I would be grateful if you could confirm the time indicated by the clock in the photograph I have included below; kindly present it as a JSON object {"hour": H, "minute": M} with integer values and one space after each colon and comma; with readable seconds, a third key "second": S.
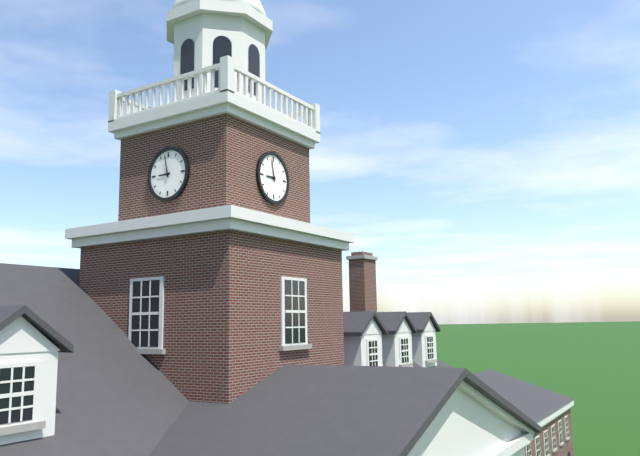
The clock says {"hour": 8, "minute": 58}
